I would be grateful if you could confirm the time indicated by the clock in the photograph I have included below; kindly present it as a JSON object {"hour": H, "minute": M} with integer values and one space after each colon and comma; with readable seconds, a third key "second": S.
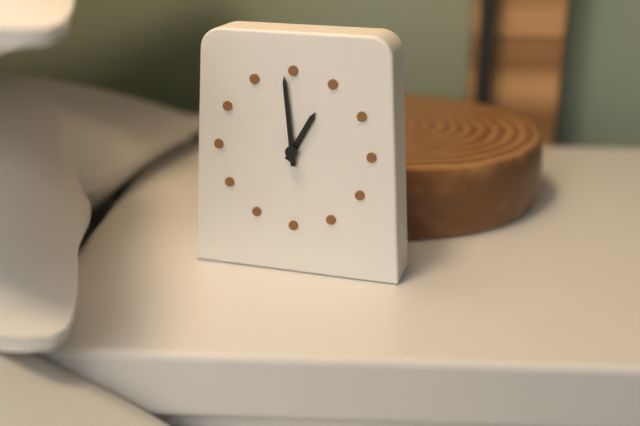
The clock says {"hour": 12, "minute": 59}
